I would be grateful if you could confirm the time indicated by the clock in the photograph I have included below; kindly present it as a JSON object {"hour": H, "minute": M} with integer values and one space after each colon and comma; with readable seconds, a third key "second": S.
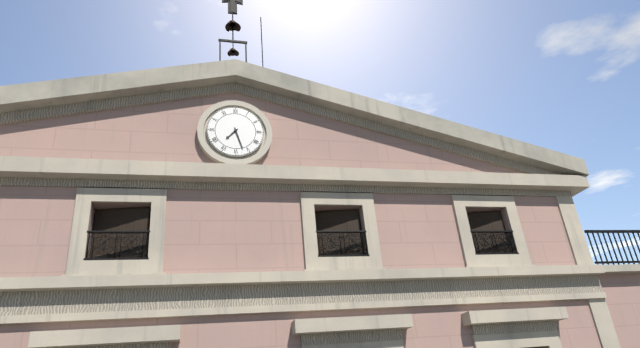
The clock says {"hour": 7, "minute": 27}
